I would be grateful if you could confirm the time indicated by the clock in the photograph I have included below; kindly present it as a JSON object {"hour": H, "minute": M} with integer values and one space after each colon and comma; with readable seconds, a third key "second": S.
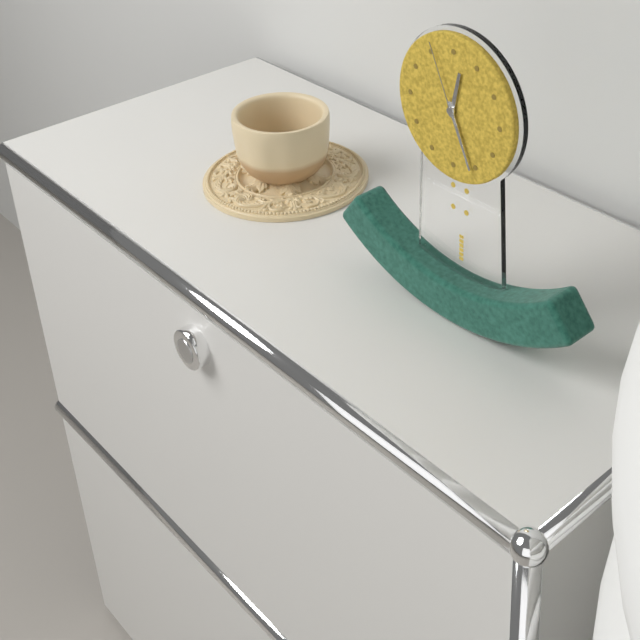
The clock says {"hour": 12, "minute": 26, "second": 56}
